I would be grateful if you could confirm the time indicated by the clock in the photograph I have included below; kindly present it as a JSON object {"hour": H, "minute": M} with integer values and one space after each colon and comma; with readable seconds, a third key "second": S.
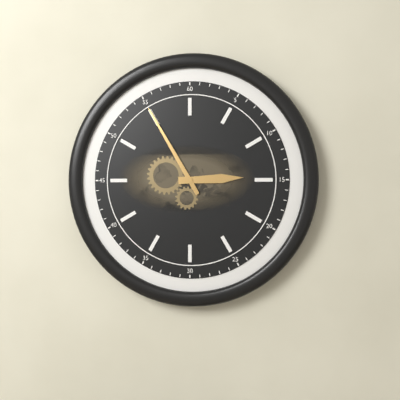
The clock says {"hour": 2, "minute": 55}
